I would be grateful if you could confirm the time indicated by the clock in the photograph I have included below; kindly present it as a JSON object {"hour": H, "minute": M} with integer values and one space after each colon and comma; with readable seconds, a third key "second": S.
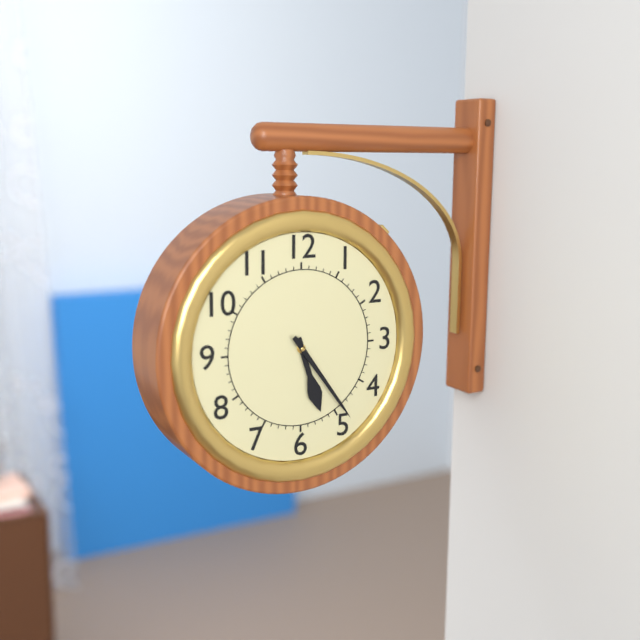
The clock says {"hour": 5, "minute": 24}
